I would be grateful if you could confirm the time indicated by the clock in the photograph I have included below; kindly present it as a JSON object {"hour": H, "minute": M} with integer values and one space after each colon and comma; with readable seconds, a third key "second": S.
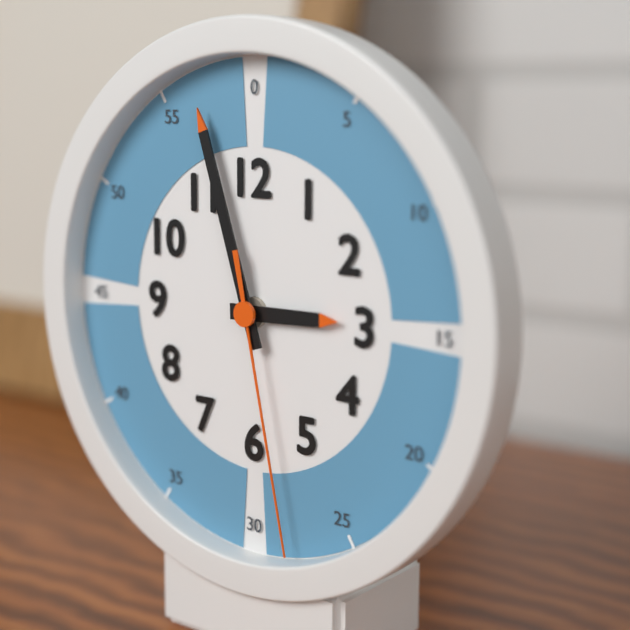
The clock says {"hour": 2, "minute": 57, "second": 28}
